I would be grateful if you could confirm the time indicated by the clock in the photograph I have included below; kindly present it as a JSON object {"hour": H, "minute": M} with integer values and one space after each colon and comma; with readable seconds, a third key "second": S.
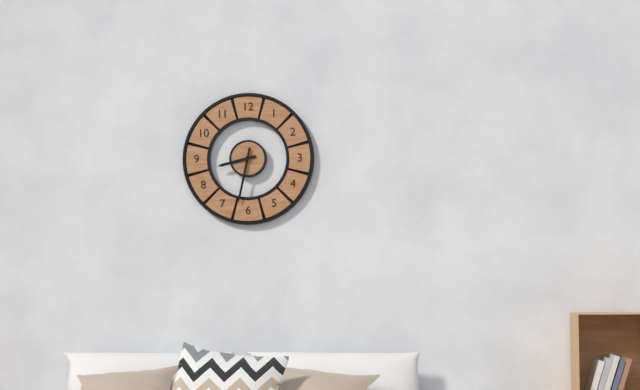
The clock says {"hour": 8, "minute": 32}
